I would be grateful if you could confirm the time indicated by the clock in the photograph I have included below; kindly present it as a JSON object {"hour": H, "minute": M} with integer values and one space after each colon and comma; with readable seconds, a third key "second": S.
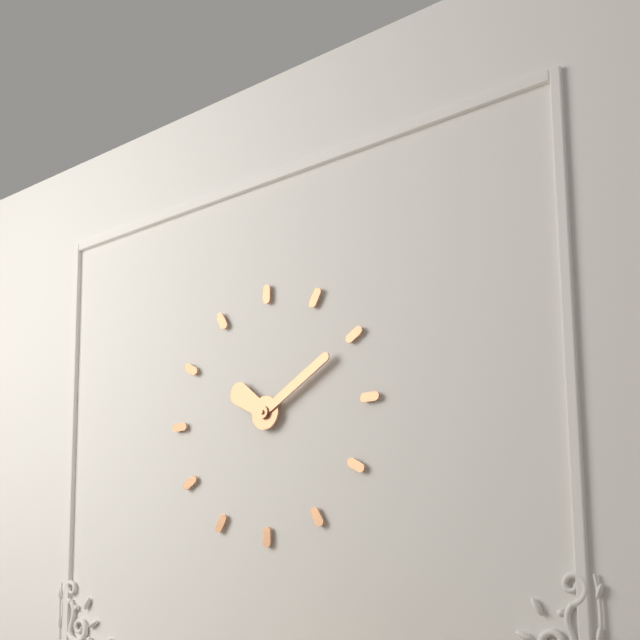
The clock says {"hour": 10, "minute": 10}
